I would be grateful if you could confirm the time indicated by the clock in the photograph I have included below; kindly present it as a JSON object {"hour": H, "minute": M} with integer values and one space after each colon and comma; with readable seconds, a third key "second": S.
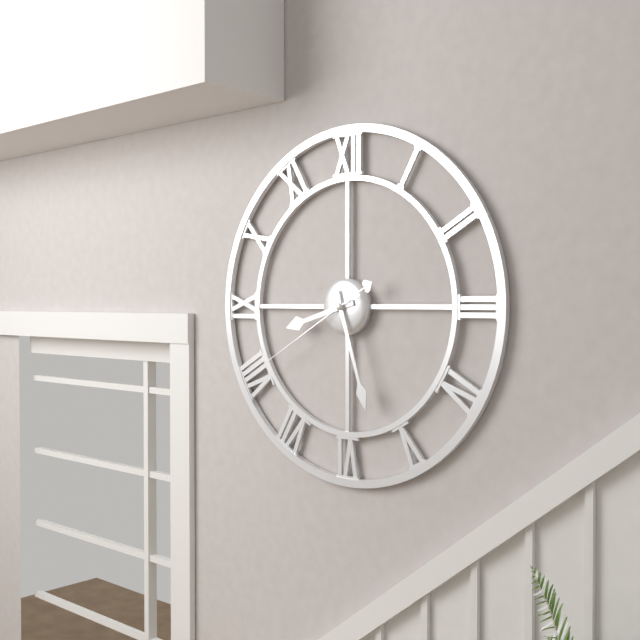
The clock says {"hour": 8, "minute": 27, "second": 40}
